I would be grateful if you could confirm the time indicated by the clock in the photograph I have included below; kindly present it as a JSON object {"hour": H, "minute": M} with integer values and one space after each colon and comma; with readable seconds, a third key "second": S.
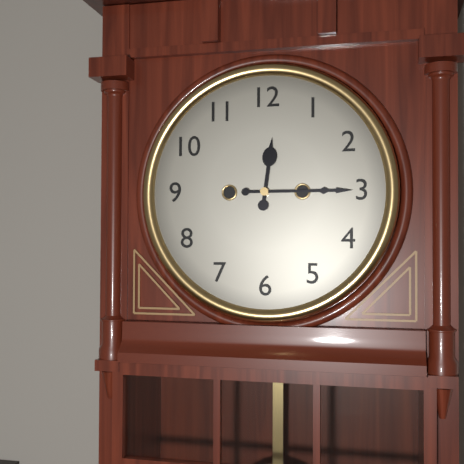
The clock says {"hour": 12, "minute": 15}
